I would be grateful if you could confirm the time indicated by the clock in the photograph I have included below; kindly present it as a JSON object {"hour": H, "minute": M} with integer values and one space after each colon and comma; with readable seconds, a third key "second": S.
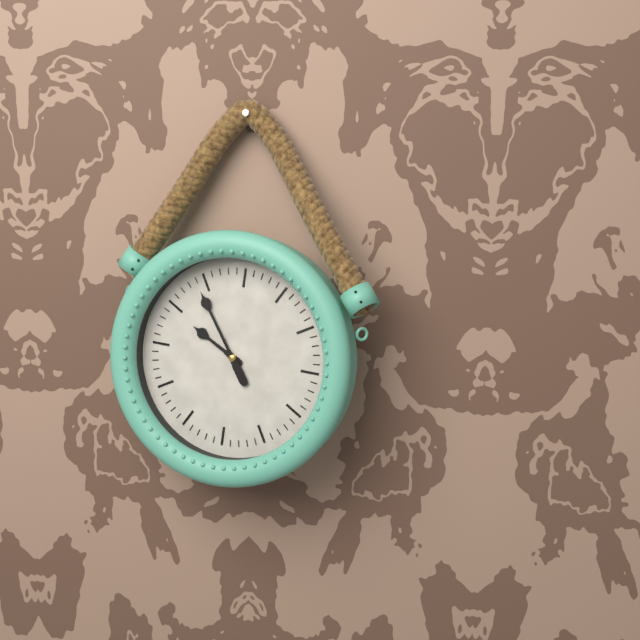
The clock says {"hour": 9, "minute": 54}
